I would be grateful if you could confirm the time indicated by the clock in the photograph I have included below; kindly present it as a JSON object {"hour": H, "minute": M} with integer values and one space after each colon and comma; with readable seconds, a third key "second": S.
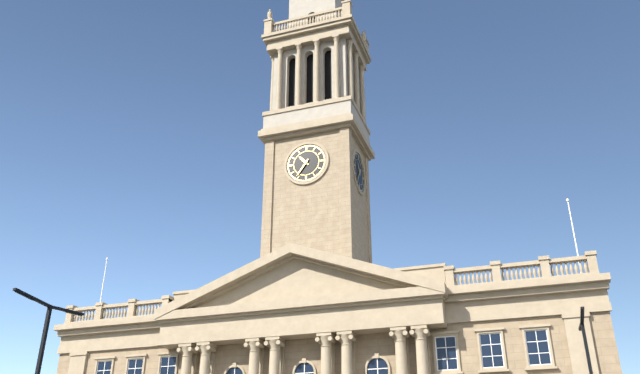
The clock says {"hour": 10, "minute": 36}
